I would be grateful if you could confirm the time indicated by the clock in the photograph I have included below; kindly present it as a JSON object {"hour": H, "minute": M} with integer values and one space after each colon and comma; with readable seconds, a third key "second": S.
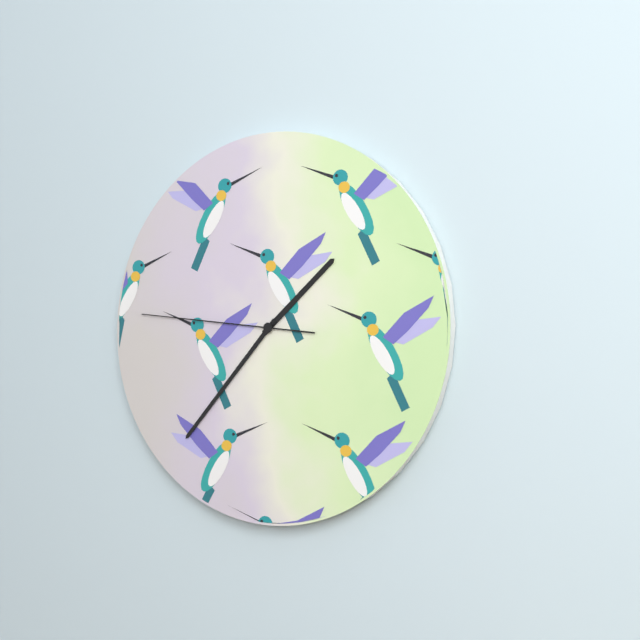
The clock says {"hour": 1, "minute": 37, "second": 46}
